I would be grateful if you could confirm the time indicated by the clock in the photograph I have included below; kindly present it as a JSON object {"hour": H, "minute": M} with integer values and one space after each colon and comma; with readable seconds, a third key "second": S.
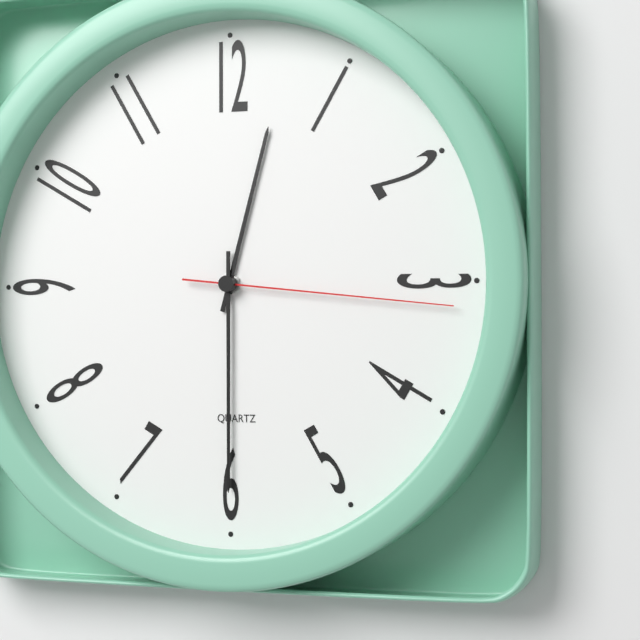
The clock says {"hour": 12, "minute": 30, "second": 16}
